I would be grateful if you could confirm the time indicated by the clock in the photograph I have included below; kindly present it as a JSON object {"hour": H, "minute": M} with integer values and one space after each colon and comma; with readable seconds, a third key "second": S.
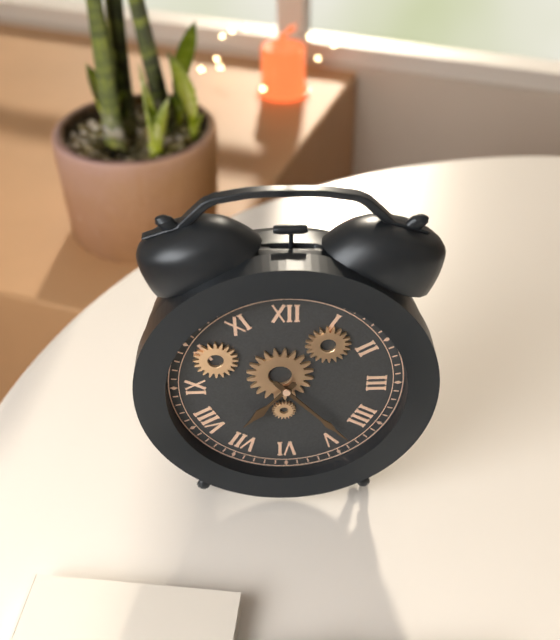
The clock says {"hour": 7, "minute": 23}
